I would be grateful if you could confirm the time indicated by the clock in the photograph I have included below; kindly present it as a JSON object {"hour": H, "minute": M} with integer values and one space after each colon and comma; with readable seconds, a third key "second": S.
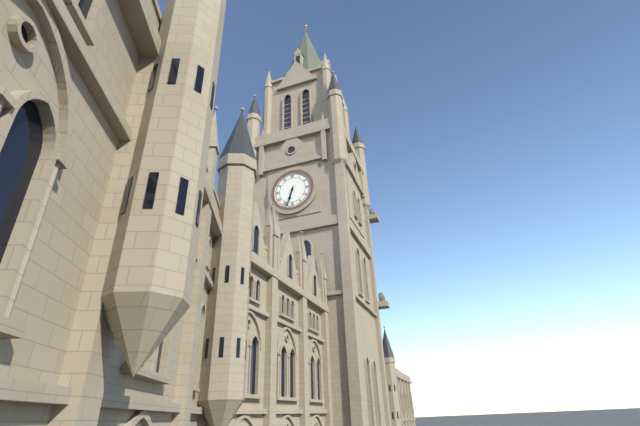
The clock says {"hour": 6, "minute": 33}
